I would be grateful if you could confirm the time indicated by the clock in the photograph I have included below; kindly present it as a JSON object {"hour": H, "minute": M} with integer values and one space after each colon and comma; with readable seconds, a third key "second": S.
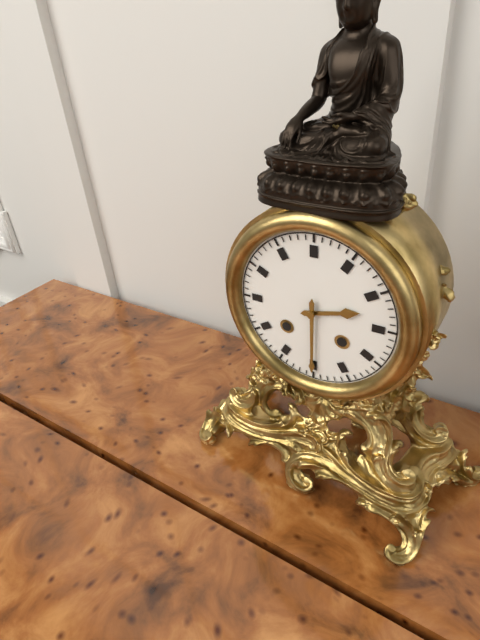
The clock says {"hour": 2, "minute": 30}
